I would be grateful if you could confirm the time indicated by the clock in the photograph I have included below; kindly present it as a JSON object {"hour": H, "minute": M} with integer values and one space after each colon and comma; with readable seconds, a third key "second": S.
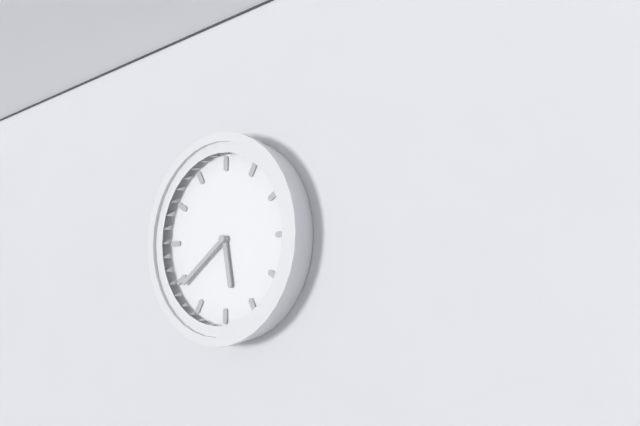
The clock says {"hour": 5, "minute": 39}
